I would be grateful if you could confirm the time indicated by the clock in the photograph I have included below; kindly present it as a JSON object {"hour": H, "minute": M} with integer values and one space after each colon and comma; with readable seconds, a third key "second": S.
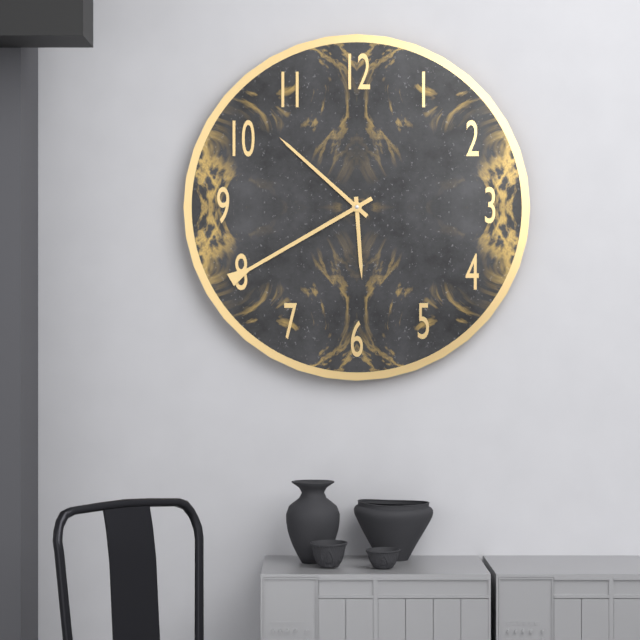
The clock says {"hour": 5, "minute": 52, "second": 40}
